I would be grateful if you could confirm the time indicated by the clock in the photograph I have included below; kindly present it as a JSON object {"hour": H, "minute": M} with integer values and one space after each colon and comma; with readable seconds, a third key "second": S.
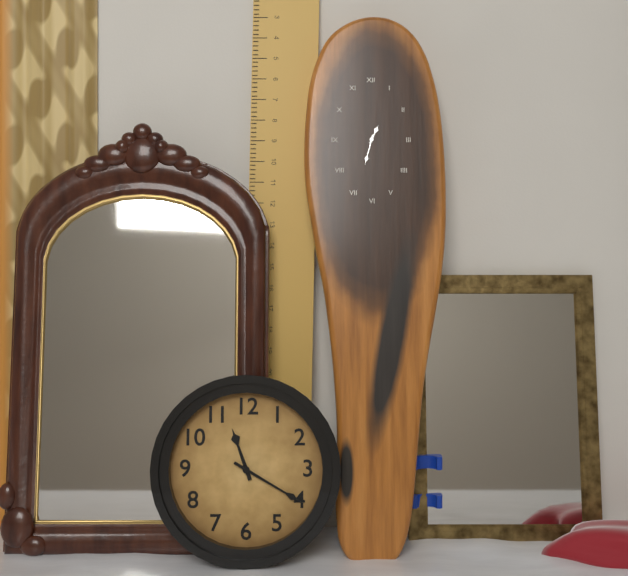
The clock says {"hour": 11, "minute": 20}
